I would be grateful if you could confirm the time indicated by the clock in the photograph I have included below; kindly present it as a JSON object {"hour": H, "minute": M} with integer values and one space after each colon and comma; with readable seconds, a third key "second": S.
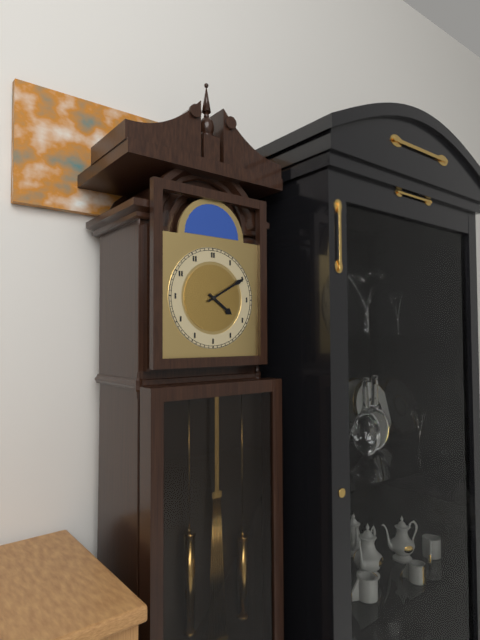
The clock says {"hour": 4, "minute": 10}
